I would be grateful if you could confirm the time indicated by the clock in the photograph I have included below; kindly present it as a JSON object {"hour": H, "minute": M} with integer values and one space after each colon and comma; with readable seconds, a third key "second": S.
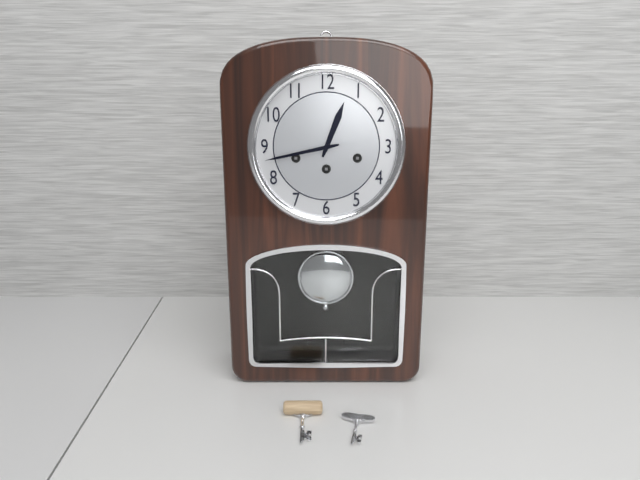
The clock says {"hour": 12, "minute": 43}
